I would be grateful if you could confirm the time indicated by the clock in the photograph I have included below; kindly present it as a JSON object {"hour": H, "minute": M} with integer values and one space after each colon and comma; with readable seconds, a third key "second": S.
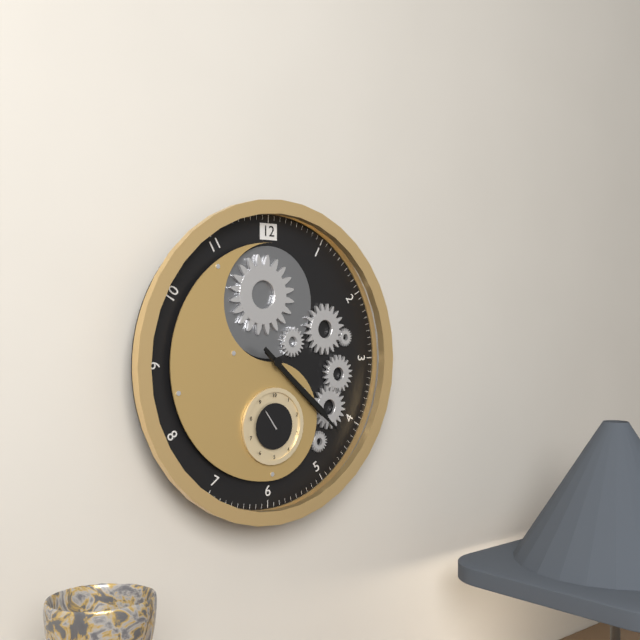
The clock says {"hour": 4, "minute": 22}
